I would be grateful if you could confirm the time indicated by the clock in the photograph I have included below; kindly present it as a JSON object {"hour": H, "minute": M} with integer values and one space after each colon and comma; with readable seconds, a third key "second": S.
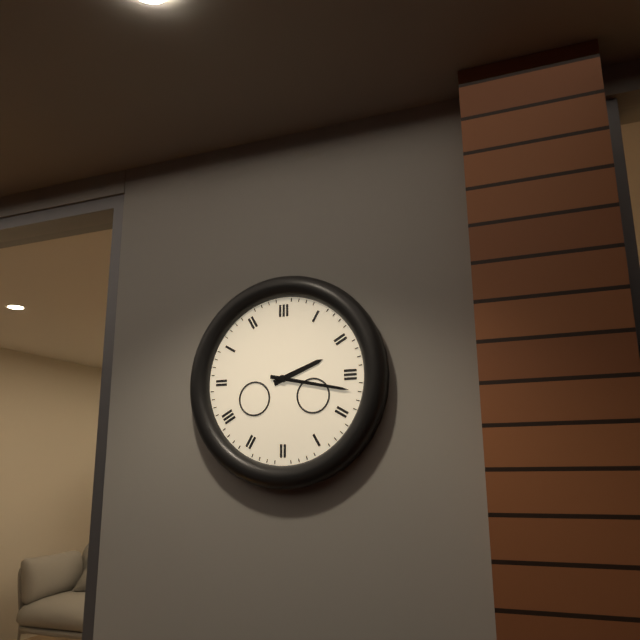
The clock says {"hour": 2, "minute": 17}
